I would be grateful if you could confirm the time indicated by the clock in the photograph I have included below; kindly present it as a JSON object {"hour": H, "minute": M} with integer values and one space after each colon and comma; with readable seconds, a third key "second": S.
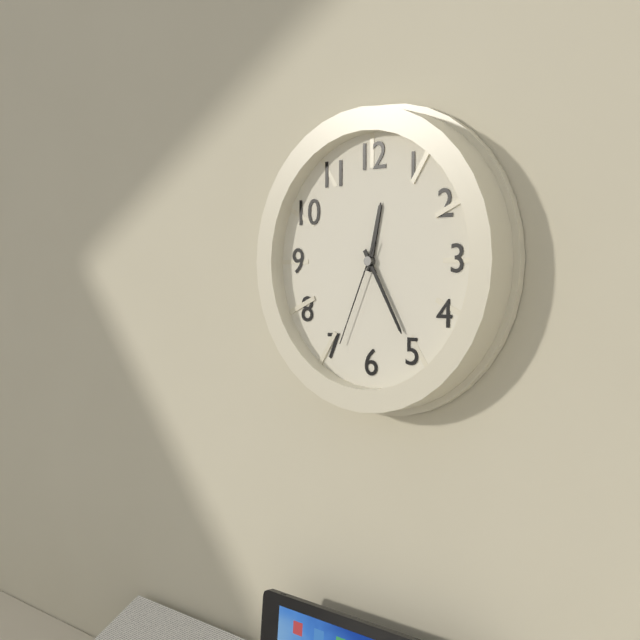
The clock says {"hour": 12, "minute": 25, "second": 34}
